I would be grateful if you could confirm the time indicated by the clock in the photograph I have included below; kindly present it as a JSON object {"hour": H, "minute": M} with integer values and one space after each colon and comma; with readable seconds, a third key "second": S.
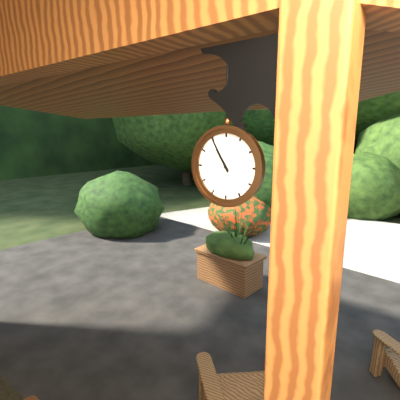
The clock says {"hour": 10, "minute": 55}
